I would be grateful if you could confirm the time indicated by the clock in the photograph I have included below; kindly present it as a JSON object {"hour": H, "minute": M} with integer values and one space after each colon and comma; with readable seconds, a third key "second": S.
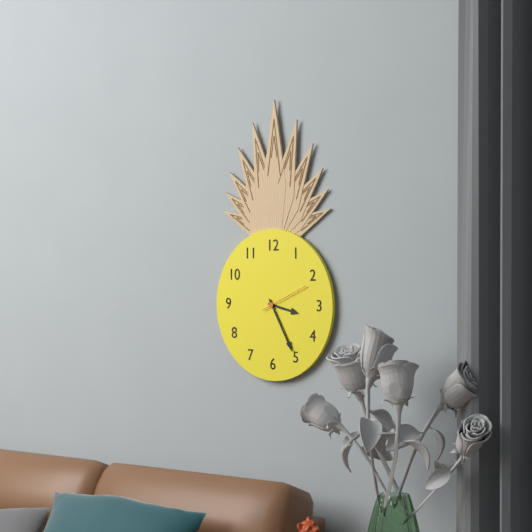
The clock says {"hour": 3, "minute": 25}
